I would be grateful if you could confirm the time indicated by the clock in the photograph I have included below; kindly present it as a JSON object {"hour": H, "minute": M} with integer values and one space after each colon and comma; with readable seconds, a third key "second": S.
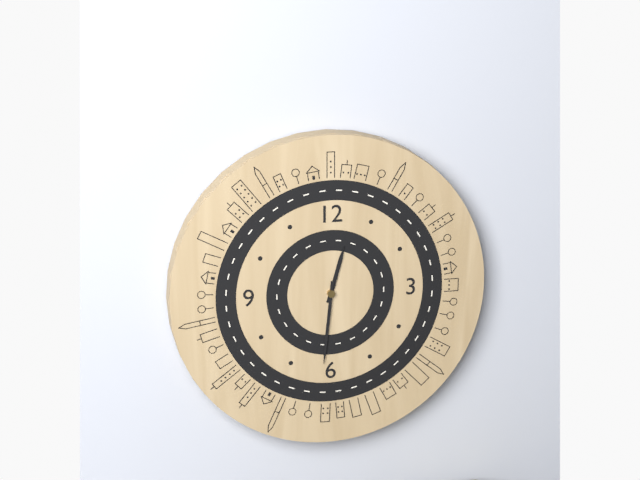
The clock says {"hour": 12, "minute": 31}
